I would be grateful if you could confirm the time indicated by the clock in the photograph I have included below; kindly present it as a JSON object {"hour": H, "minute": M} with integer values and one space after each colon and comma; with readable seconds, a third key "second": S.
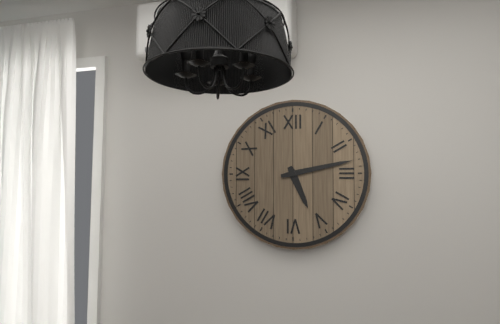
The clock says {"hour": 5, "minute": 13}
